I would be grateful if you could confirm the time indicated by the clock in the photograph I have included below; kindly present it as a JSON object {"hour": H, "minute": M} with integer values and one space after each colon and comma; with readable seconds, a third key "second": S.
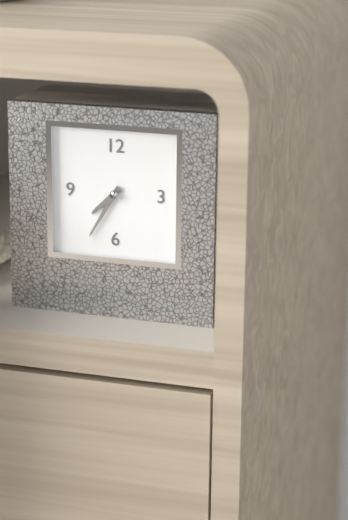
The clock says {"hour": 7, "minute": 35}
